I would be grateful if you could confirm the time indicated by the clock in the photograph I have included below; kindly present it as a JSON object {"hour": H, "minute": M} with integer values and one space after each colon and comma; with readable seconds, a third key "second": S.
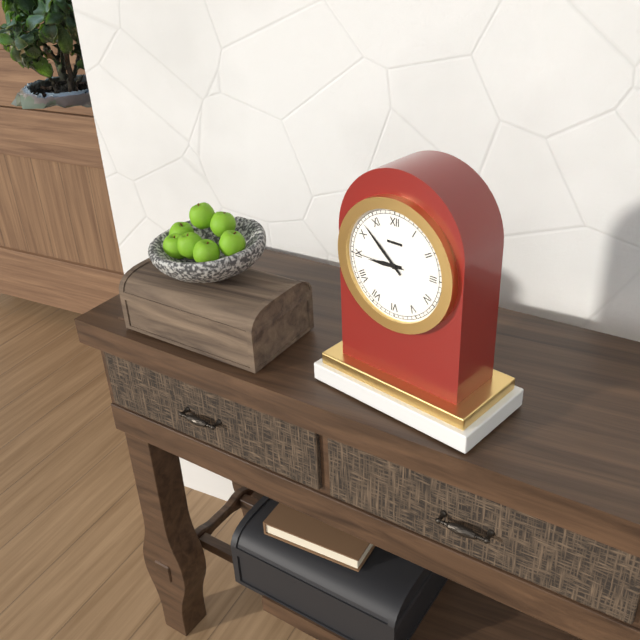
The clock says {"hour": 8, "minute": 52, "second": 45}
